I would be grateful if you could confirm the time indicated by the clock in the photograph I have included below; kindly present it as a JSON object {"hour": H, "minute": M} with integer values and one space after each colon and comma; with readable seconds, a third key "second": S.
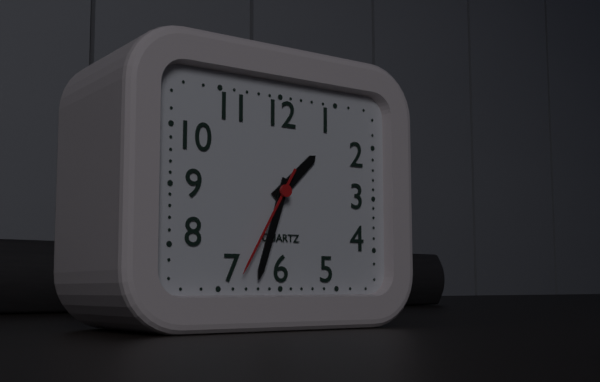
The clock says {"hour": 1, "minute": 33, "second": 35}
